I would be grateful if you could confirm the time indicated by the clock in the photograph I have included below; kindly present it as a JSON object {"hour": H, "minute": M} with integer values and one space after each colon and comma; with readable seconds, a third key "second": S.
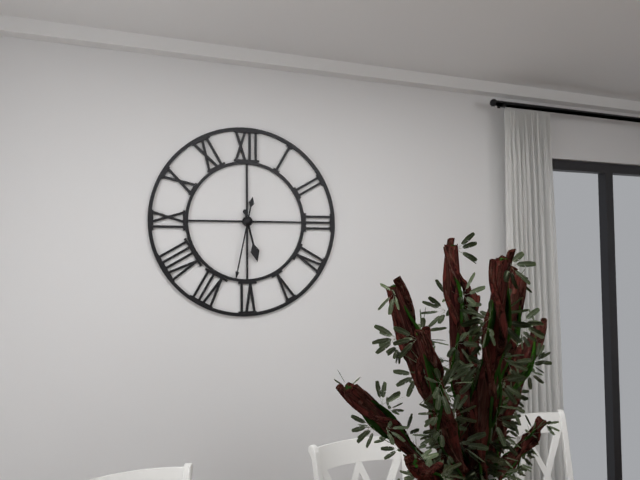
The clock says {"hour": 5, "minute": 32}
